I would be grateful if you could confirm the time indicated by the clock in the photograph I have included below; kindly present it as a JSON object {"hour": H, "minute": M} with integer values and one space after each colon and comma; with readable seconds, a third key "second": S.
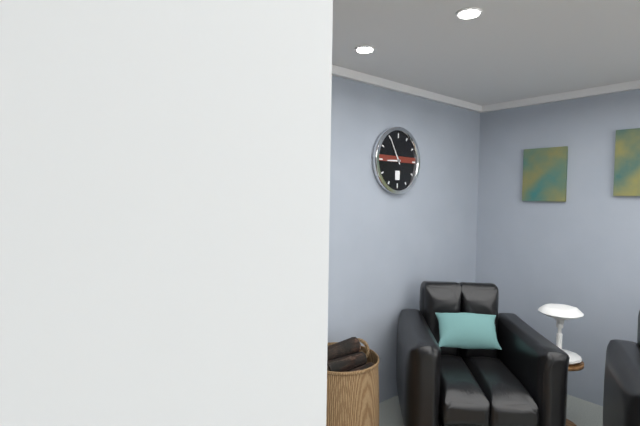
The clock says {"hour": 8, "minute": 55}
